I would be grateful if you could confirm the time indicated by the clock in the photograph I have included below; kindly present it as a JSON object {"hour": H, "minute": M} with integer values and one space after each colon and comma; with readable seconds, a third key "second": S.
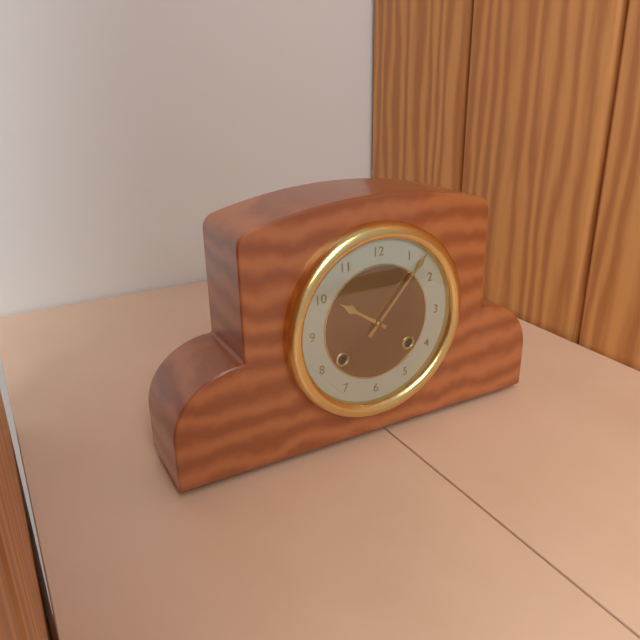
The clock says {"hour": 10, "minute": 7}
